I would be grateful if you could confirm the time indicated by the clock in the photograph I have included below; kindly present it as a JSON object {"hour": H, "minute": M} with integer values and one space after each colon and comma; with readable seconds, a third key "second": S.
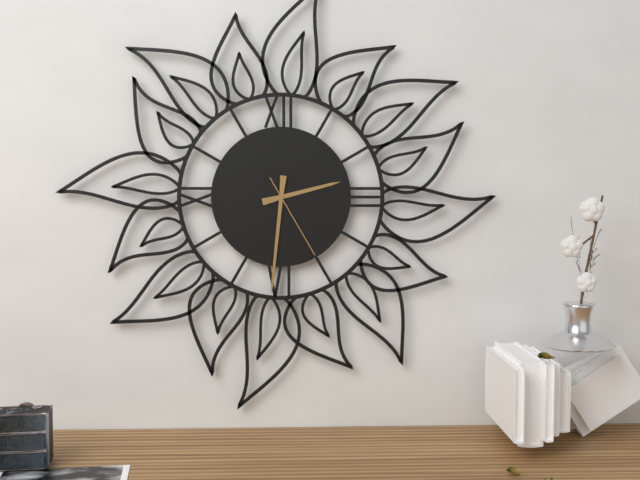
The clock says {"hour": 2, "minute": 31, "second": 25}
